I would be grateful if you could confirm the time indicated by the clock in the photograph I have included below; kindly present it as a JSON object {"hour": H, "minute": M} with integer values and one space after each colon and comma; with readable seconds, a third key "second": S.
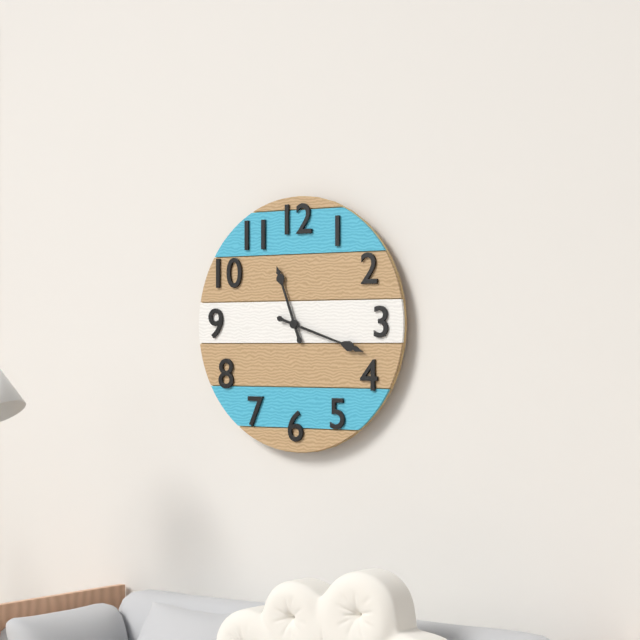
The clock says {"hour": 11, "minute": 18}
